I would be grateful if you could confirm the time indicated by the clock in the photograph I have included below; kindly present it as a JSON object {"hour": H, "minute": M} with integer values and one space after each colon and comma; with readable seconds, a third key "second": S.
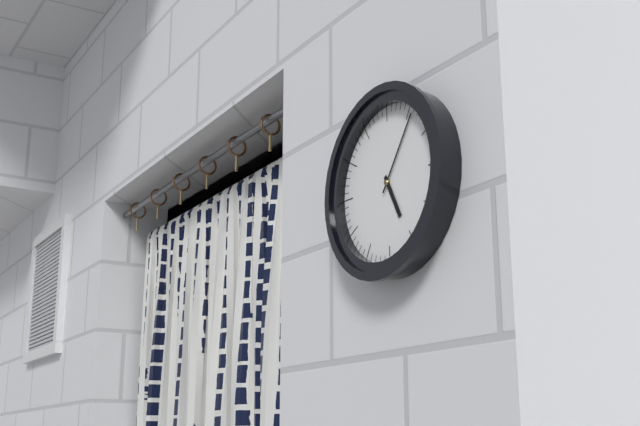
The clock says {"hour": 5, "minute": 6}
